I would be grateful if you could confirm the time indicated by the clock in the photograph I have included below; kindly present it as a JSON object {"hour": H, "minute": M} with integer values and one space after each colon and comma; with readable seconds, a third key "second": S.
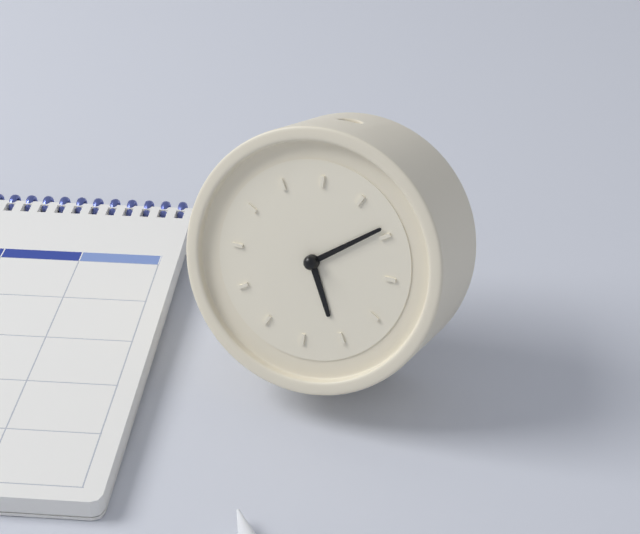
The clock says {"hour": 5, "minute": 9}
